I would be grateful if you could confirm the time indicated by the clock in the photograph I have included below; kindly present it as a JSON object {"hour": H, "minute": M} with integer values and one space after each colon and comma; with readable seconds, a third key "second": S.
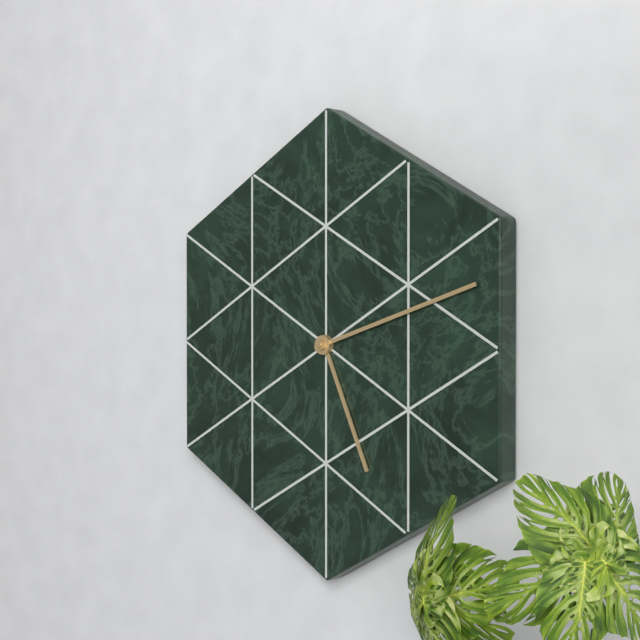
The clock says {"hour": 5, "minute": 12}
